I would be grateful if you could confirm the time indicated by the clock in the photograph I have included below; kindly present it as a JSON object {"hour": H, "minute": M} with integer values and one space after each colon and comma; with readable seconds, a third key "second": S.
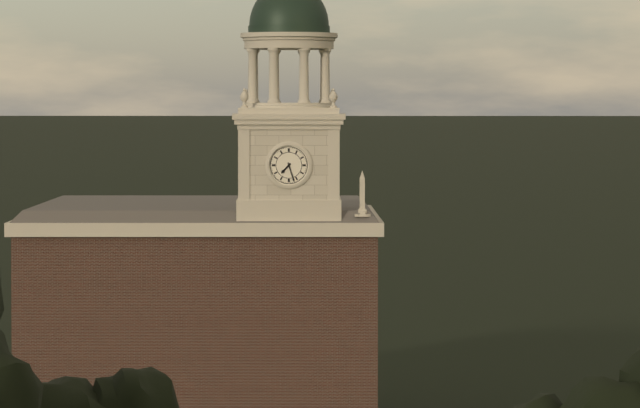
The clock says {"hour": 7, "minute": 27}
